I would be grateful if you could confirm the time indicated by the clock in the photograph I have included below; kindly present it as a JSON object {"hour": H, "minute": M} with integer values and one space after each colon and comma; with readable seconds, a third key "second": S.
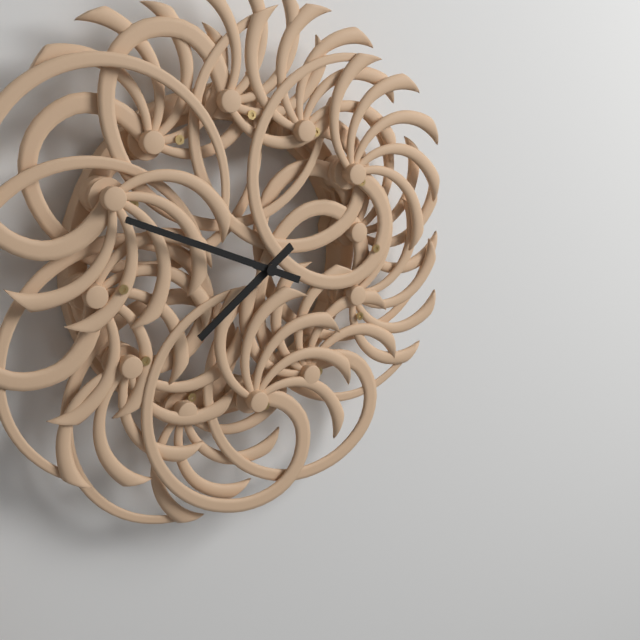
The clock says {"hour": 7, "minute": 49}
